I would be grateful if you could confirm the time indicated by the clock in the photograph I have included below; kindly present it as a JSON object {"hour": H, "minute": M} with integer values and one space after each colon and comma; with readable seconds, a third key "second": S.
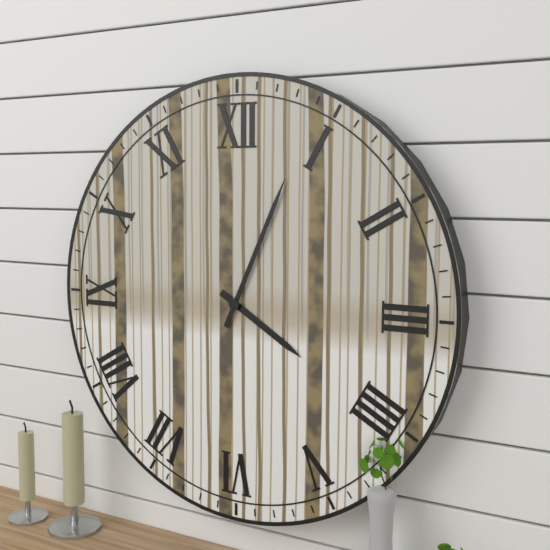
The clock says {"hour": 4, "minute": 4}
